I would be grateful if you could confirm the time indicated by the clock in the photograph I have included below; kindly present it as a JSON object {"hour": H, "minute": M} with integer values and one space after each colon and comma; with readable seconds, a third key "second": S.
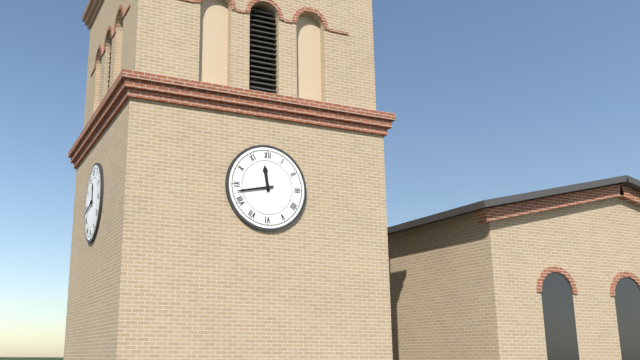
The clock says {"hour": 11, "minute": 43}
